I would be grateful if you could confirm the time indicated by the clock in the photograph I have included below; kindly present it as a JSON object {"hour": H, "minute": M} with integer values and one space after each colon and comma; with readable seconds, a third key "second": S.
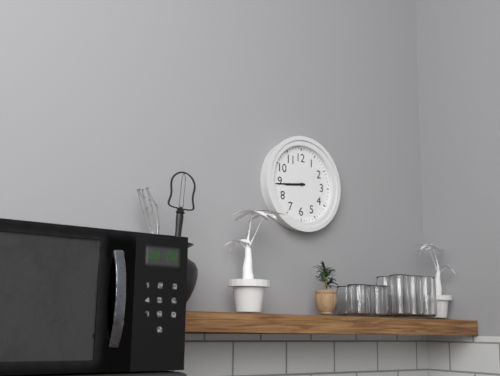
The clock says {"hour": 8, "minute": 44}
